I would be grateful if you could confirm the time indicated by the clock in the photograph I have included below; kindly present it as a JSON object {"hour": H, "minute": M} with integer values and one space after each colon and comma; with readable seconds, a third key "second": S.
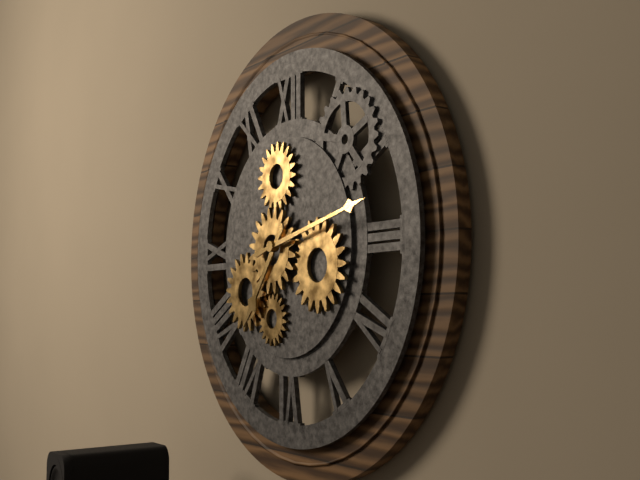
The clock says {"hour": 7, "minute": 13}
